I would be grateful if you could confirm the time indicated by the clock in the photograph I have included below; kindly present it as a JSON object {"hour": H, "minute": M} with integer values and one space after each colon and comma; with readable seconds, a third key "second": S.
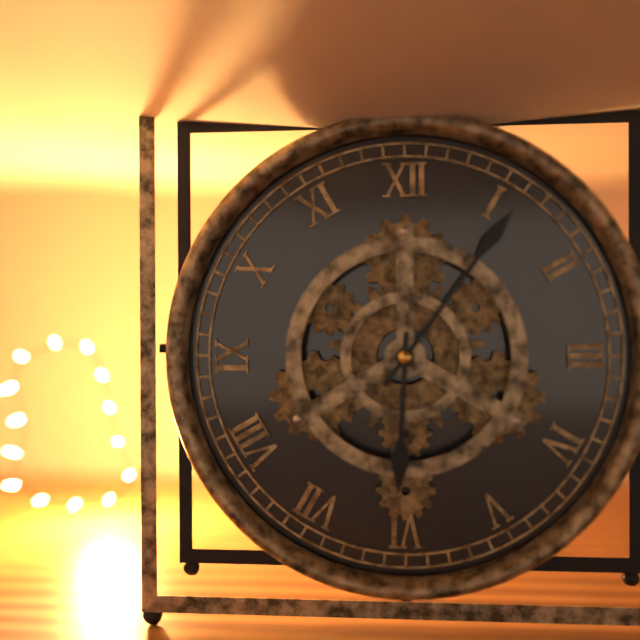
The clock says {"hour": 6, "minute": 6}
